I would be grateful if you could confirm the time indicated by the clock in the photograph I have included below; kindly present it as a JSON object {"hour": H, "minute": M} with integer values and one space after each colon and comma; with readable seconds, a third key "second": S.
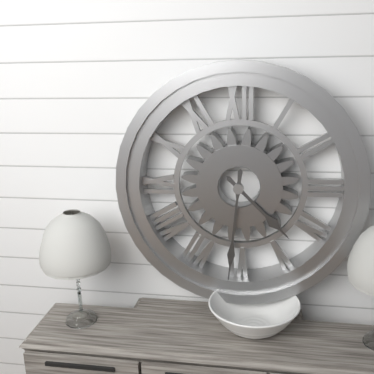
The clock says {"hour": 4, "minute": 31}
